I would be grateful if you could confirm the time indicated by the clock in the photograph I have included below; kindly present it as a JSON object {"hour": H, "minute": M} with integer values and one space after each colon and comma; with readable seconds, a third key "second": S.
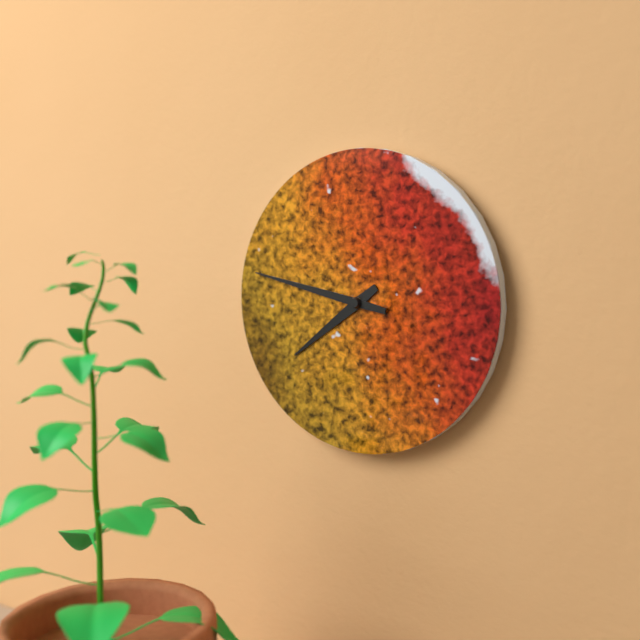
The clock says {"hour": 7, "minute": 47}
